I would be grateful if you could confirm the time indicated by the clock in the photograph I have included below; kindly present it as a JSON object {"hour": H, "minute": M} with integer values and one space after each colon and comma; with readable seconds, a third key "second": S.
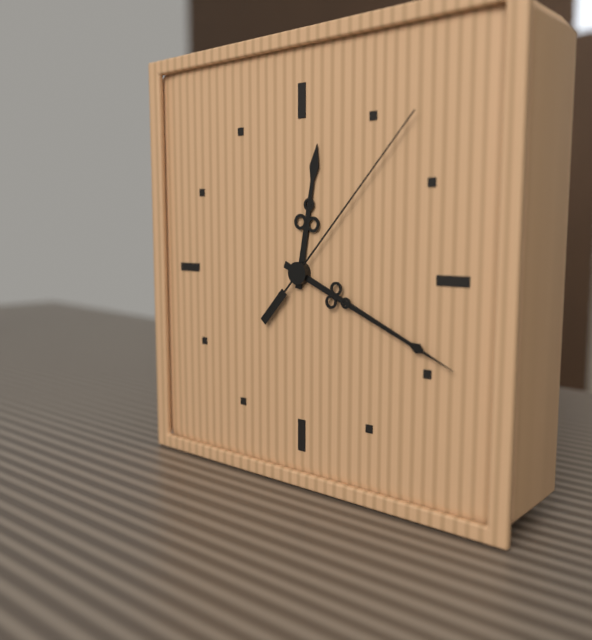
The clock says {"hour": 12, "minute": 19, "second": 7}
